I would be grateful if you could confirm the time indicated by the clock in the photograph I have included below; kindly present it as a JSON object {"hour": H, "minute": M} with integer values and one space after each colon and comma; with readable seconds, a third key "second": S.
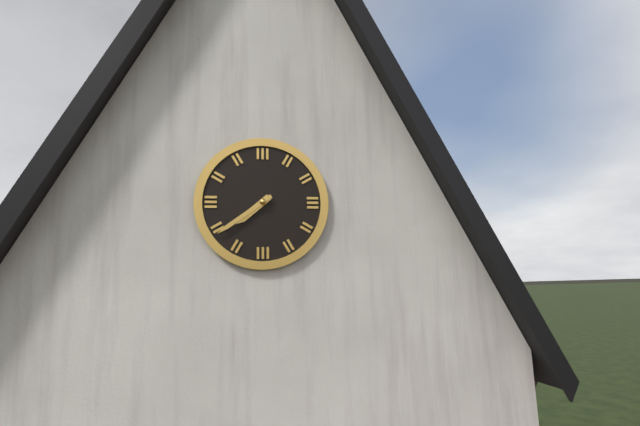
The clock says {"hour": 7, "minute": 39}
